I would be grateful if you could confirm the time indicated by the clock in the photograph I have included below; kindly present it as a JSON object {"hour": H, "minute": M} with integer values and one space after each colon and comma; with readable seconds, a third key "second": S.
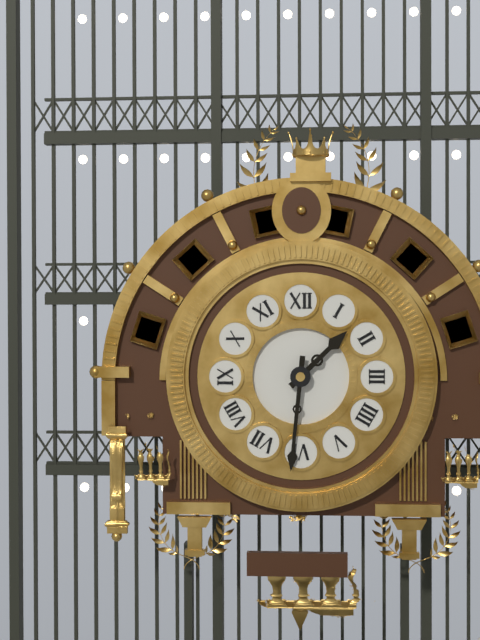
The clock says {"hour": 1, "minute": 31}
